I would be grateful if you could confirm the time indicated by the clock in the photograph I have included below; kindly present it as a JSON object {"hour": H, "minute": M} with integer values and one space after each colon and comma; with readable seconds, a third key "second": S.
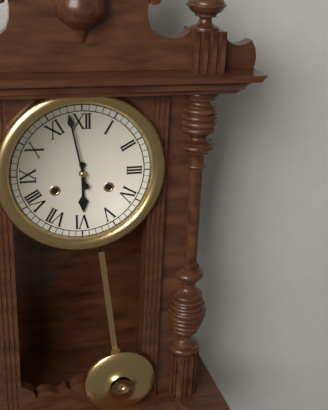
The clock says {"hour": 5, "minute": 58}
